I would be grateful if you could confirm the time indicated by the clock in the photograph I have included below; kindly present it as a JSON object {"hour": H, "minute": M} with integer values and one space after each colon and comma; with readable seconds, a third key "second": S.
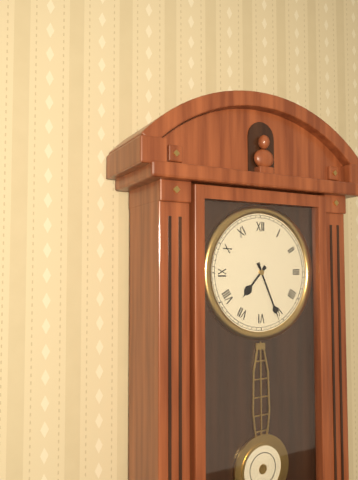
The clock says {"hour": 7, "minute": 26}
